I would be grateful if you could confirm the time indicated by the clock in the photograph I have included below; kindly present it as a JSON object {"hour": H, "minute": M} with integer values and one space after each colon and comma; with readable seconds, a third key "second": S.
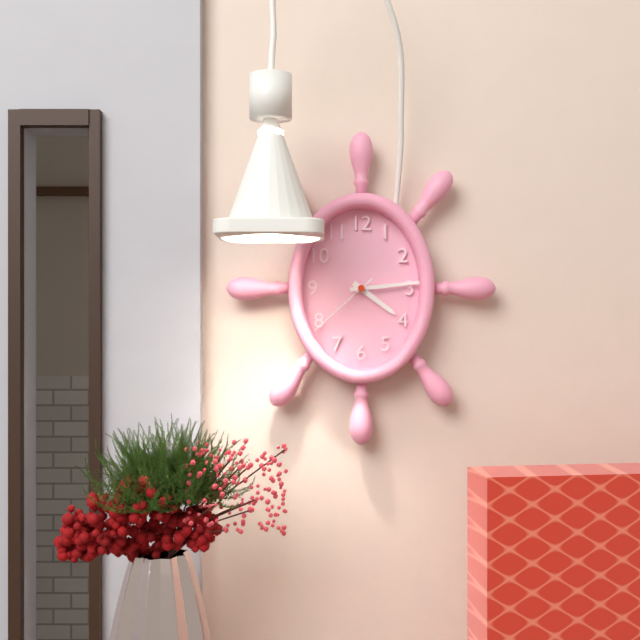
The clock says {"hour": 4, "minute": 14, "second": 38}
